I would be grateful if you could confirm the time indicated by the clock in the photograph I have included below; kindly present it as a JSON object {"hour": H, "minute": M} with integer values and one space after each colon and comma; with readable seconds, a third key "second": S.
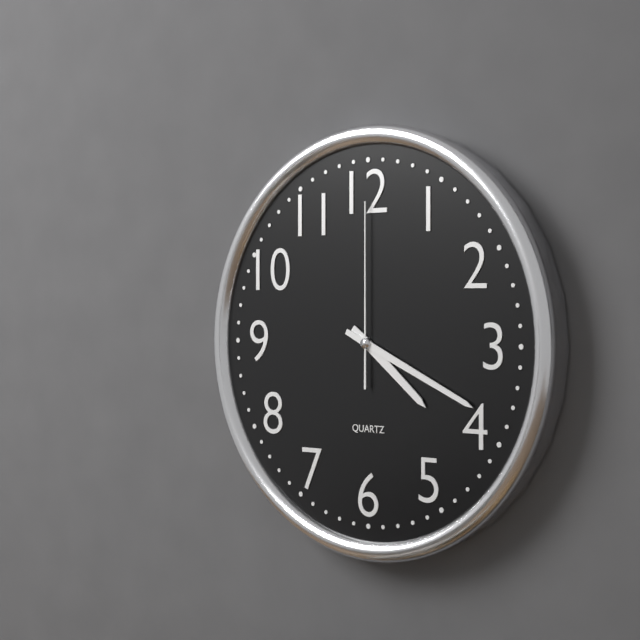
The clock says {"hour": 4, "minute": 19, "second": 0}
